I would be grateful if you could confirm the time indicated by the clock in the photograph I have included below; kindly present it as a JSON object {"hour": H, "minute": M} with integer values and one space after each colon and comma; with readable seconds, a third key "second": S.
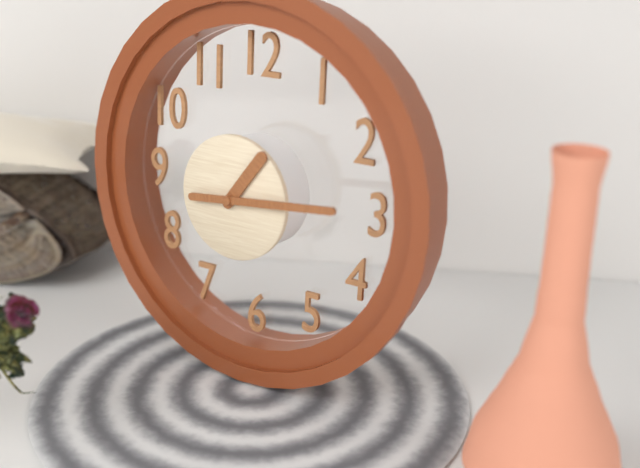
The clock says {"hour": 1, "minute": 14}
